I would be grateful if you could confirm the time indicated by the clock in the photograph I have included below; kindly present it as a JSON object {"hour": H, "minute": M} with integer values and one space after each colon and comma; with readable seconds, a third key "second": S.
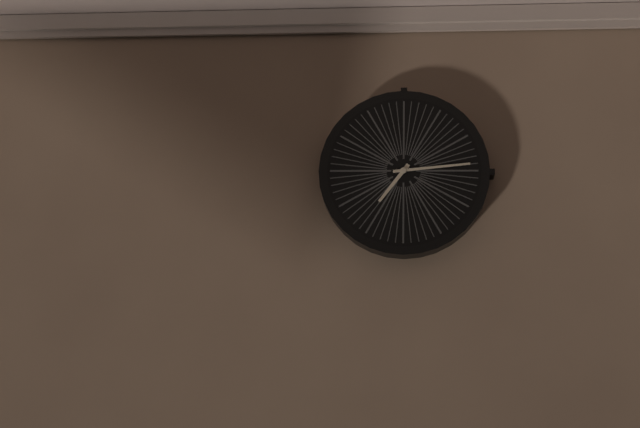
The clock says {"hour": 7, "minute": 14}
